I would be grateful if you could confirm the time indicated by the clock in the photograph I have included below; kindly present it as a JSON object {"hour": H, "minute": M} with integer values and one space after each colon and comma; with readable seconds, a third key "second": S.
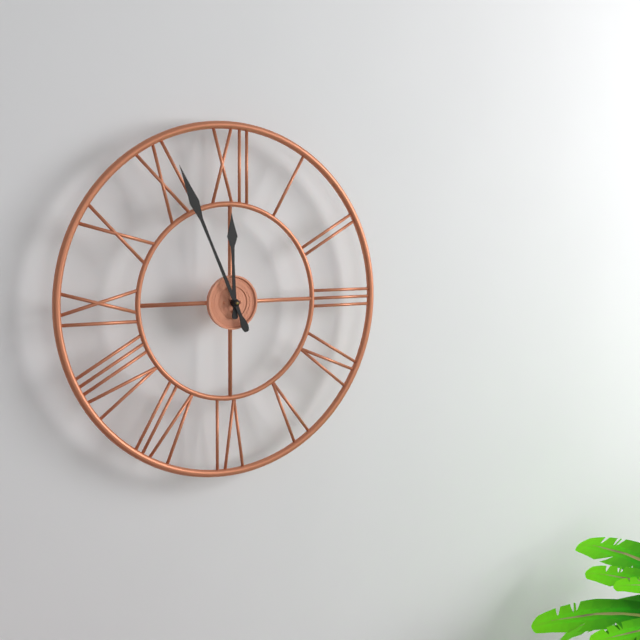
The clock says {"hour": 11, "minute": 56}
